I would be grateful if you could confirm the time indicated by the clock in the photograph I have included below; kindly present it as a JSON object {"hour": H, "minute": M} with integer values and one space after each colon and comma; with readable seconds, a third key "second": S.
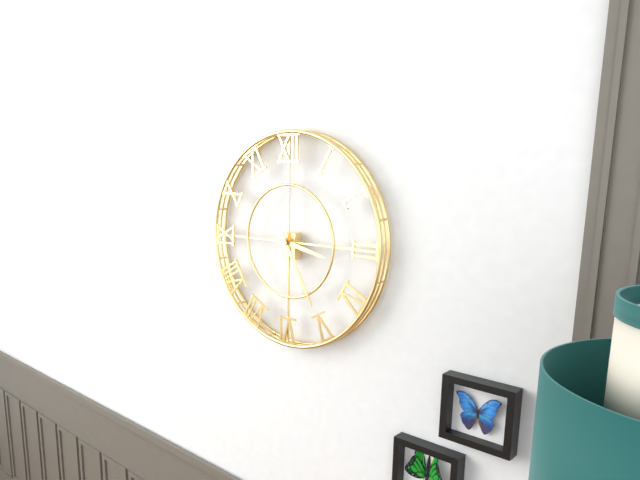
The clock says {"hour": 3, "minute": 25}
